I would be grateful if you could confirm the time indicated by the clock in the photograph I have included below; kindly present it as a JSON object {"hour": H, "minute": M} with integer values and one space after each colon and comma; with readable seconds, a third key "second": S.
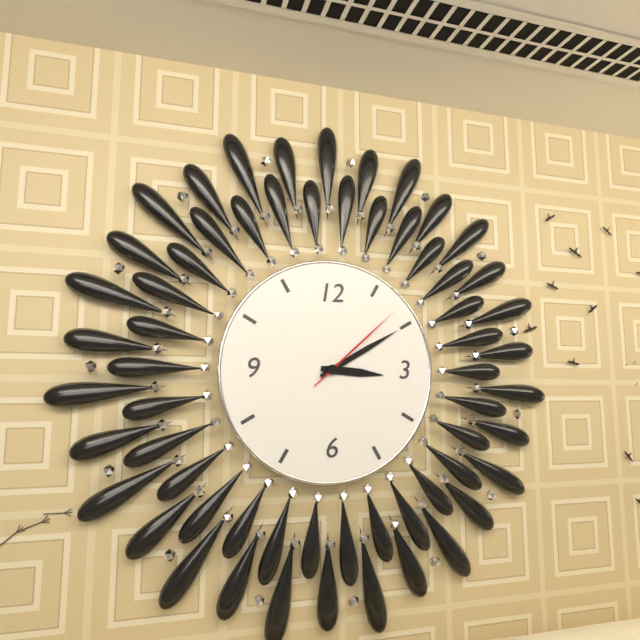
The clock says {"hour": 3, "minute": 10, "second": 8}
